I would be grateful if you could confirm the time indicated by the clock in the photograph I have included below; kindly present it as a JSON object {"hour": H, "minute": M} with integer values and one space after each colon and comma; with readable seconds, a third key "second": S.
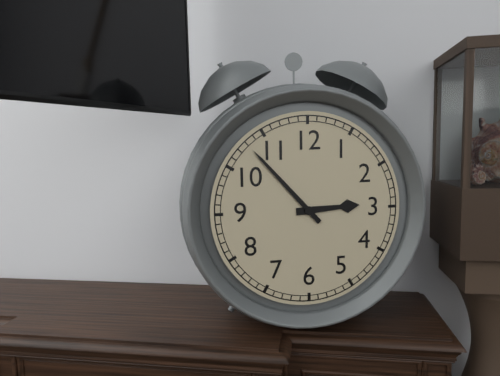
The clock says {"hour": 2, "minute": 53}
